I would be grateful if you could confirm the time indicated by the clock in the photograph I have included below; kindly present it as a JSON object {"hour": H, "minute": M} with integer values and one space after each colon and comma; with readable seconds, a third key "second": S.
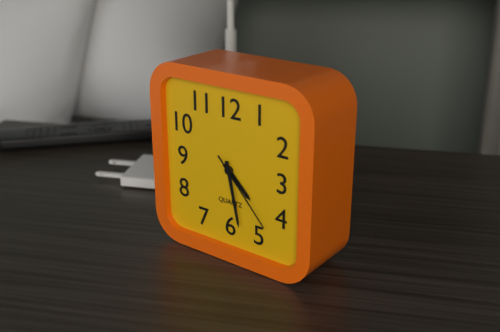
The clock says {"hour": 4, "minute": 28, "second": 23}
